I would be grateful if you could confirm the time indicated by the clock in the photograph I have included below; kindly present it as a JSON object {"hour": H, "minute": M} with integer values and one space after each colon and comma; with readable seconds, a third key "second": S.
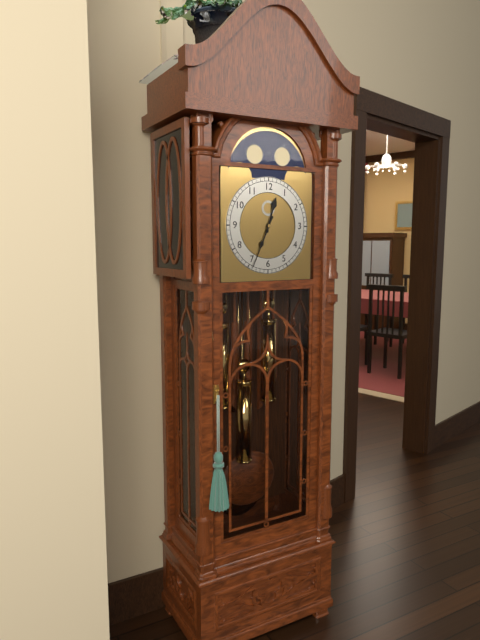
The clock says {"hour": 12, "minute": 34}
